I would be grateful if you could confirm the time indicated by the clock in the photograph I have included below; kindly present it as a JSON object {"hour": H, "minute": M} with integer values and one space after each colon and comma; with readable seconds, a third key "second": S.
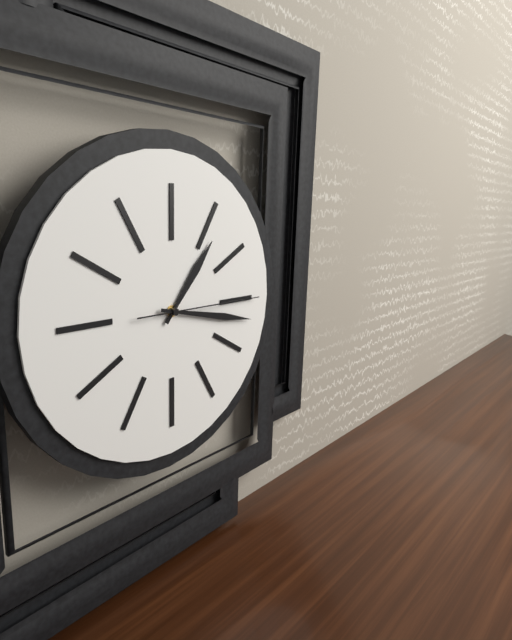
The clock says {"hour": 1, "minute": 17, "second": 15}
